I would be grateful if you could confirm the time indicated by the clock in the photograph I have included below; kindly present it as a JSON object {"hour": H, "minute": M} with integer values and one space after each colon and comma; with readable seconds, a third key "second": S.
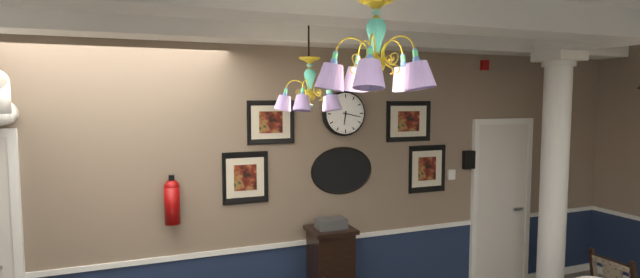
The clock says {"hour": 6, "minute": 17}
